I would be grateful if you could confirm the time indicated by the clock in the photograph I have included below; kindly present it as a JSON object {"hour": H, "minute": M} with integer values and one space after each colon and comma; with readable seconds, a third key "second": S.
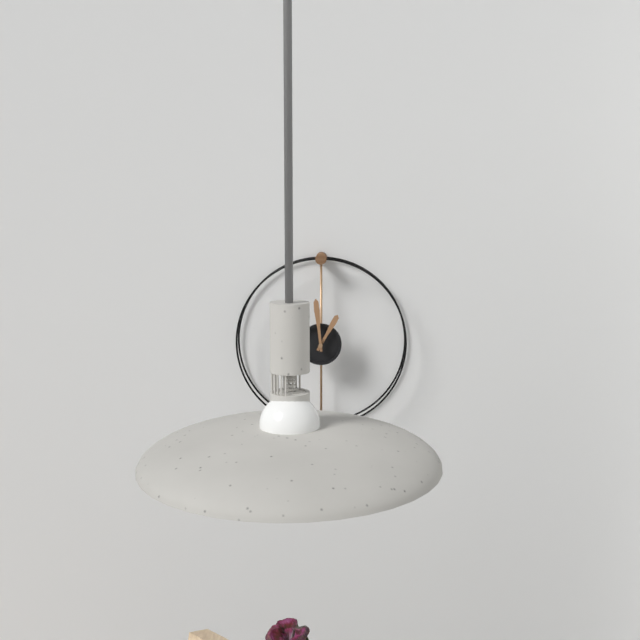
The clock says {"hour": 12, "minute": 59}
